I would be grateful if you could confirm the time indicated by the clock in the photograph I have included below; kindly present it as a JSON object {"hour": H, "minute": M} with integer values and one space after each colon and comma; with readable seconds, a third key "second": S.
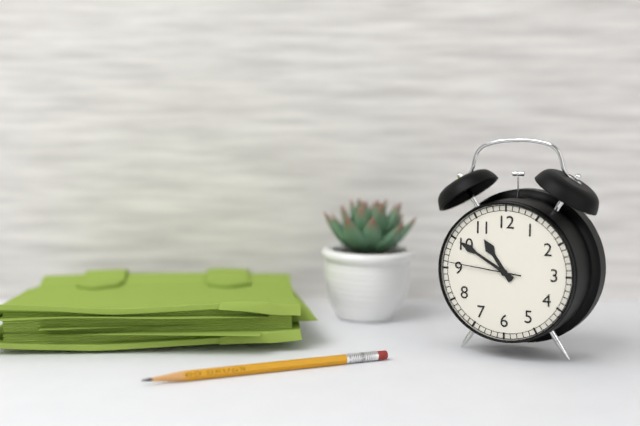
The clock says {"hour": 10, "minute": 50, "second": 46}
